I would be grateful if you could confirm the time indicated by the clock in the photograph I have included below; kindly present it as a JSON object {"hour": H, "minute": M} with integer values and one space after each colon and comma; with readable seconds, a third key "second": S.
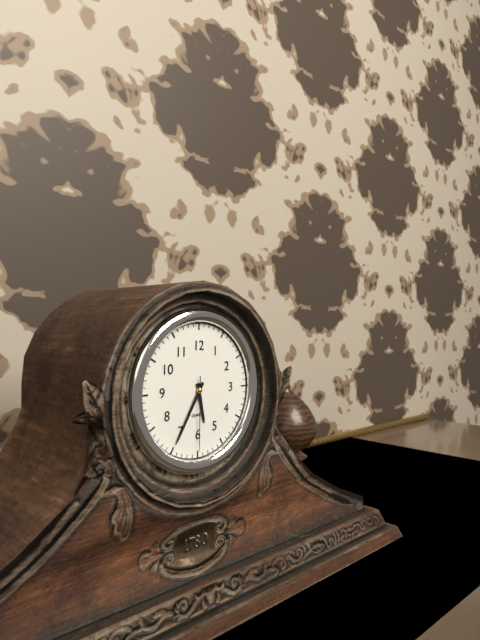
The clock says {"hour": 5, "minute": 35, "second": 30}
